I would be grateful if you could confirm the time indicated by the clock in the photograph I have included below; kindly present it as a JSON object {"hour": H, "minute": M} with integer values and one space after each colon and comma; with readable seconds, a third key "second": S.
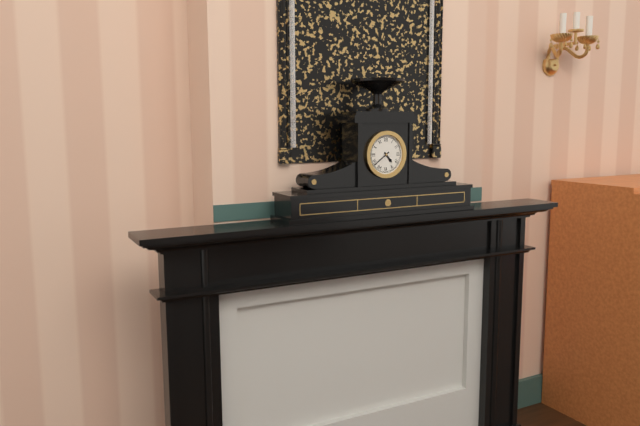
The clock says {"hour": 4, "minute": 39}
